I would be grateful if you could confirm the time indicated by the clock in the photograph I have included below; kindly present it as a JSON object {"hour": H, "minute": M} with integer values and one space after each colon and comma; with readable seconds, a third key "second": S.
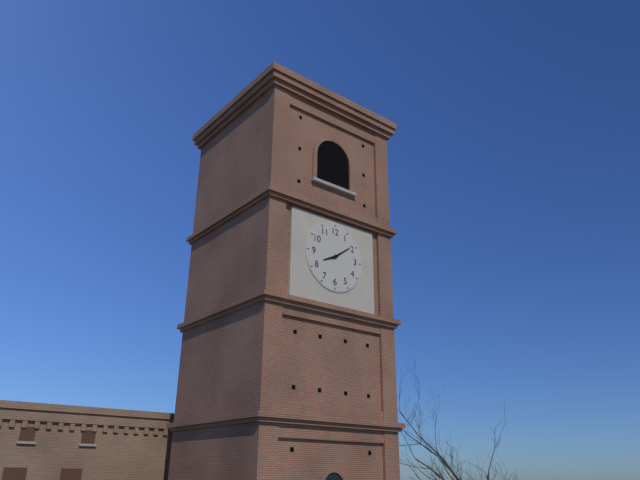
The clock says {"hour": 8, "minute": 9}
